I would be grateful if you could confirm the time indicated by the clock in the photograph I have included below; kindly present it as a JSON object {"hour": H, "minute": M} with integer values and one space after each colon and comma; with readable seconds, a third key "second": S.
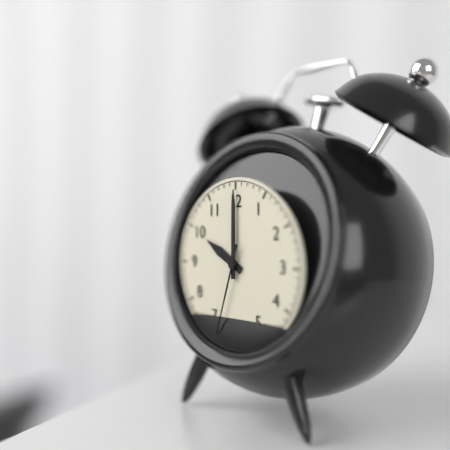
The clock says {"hour": 10, "minute": 0, "second": 33}
